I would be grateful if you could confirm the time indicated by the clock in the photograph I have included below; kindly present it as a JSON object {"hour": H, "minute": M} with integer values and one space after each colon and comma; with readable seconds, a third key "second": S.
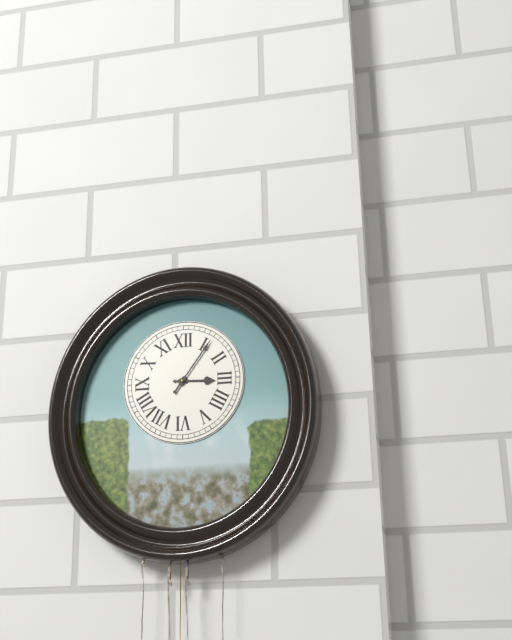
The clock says {"hour": 3, "minute": 6}
